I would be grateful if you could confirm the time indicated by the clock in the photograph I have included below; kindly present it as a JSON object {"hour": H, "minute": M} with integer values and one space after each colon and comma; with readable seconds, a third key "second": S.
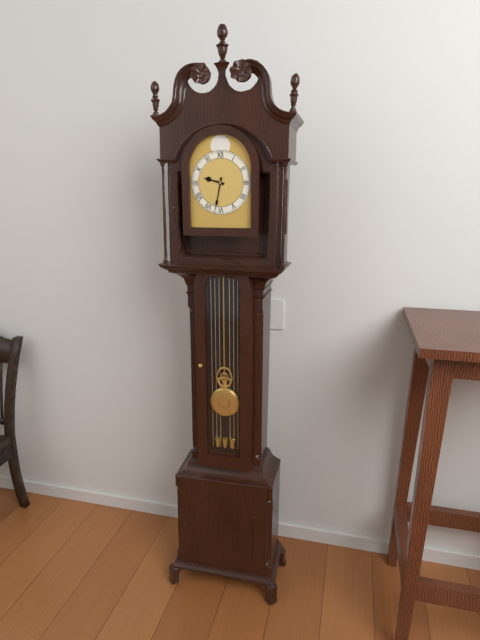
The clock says {"hour": 9, "minute": 32}
